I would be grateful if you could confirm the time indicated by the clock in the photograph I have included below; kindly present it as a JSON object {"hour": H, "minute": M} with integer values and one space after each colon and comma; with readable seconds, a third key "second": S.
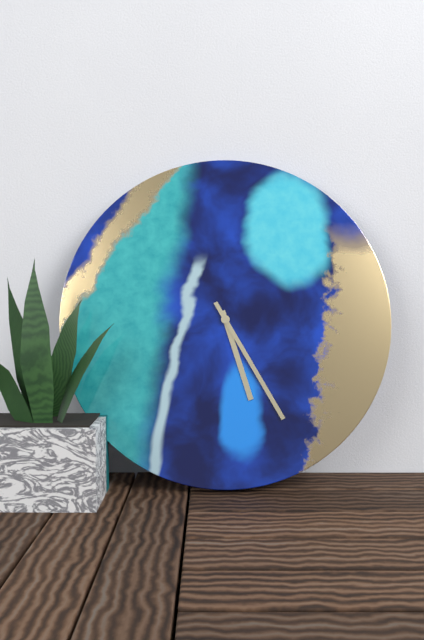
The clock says {"hour": 5, "minute": 25}
